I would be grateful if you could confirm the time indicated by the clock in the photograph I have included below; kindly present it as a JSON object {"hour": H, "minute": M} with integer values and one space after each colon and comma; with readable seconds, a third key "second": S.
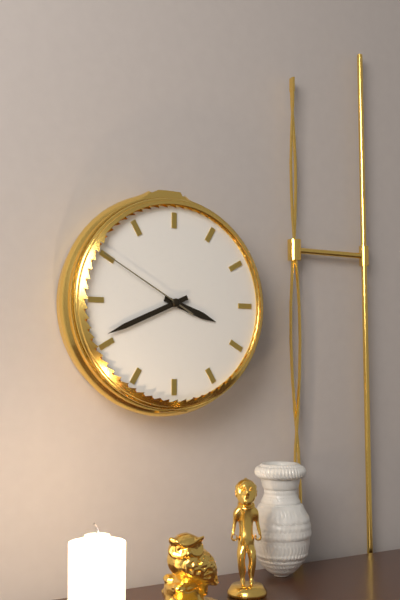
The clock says {"hour": 3, "minute": 41, "second": 50}
